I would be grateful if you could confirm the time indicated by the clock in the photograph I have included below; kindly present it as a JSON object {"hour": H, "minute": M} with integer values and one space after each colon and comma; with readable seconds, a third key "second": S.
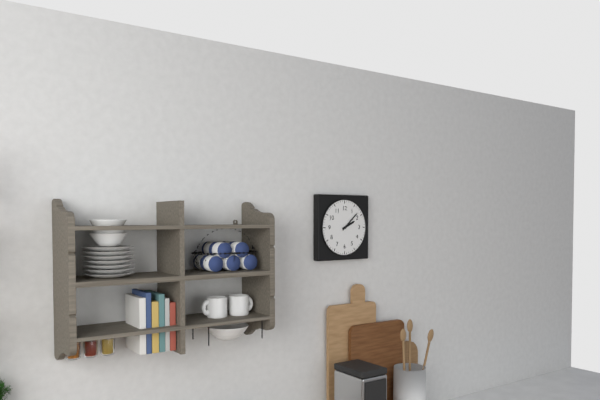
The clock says {"hour": 2, "minute": 8}
